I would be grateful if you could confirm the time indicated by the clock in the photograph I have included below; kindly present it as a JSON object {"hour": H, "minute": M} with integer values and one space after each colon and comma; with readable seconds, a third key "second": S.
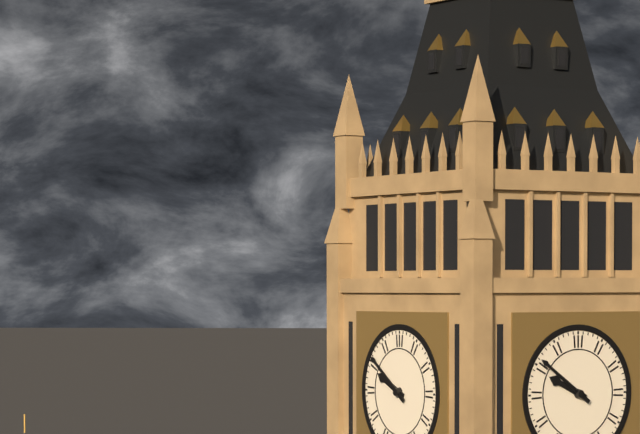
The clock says {"hour": 9, "minute": 51}
